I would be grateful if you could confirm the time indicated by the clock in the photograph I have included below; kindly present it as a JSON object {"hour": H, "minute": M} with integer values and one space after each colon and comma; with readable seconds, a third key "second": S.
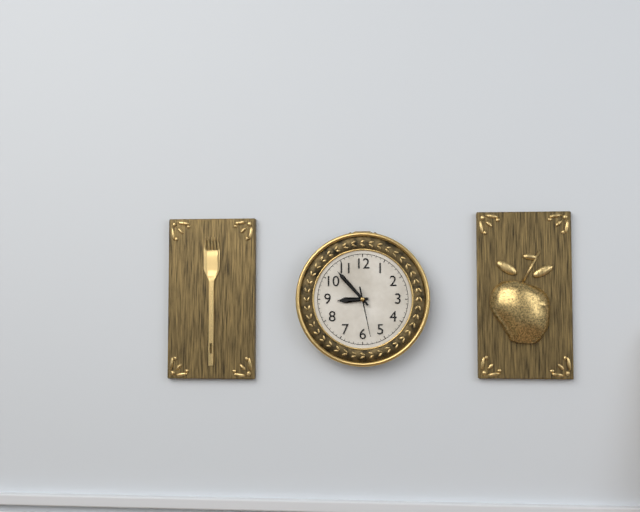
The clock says {"hour": 8, "minute": 53, "second": 28}
